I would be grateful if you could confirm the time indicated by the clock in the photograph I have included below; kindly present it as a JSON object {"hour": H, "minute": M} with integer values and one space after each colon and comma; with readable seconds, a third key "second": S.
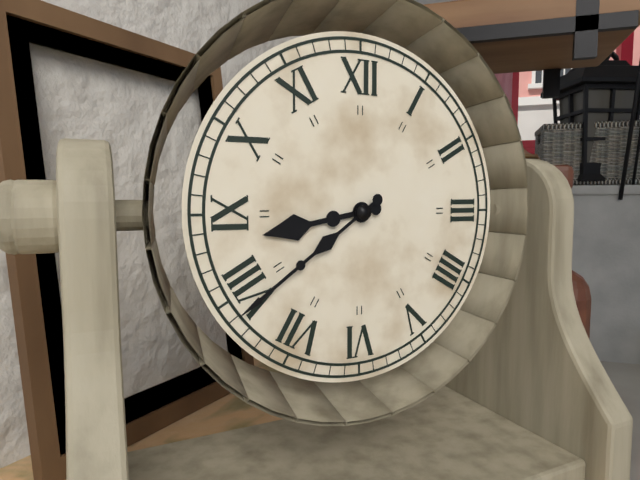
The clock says {"hour": 8, "minute": 39}
